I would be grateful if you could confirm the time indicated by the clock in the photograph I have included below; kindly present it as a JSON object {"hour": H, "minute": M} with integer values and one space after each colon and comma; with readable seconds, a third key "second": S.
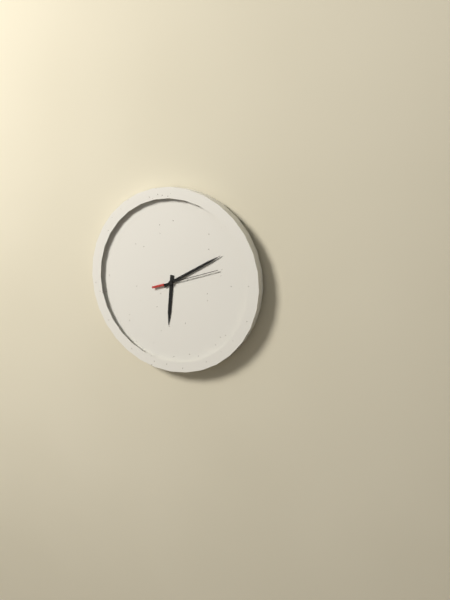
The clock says {"hour": 6, "minute": 10, "second": 12}
